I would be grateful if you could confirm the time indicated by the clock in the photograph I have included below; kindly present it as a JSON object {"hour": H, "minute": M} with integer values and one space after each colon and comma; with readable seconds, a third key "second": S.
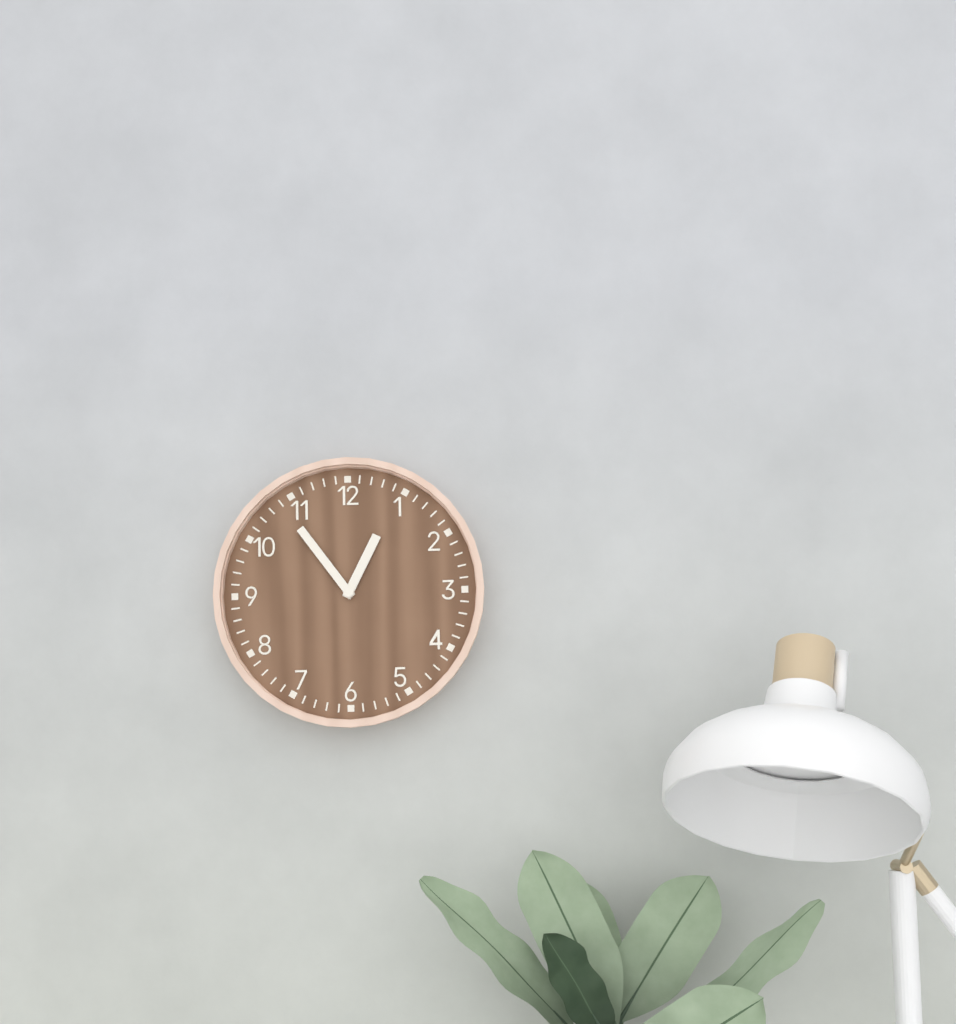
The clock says {"hour": 12, "minute": 54}
